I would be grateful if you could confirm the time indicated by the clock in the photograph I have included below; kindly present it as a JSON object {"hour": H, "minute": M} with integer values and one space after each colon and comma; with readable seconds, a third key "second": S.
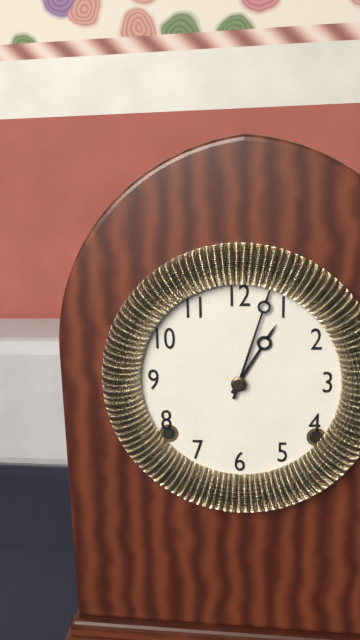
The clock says {"hour": 1, "minute": 3}
